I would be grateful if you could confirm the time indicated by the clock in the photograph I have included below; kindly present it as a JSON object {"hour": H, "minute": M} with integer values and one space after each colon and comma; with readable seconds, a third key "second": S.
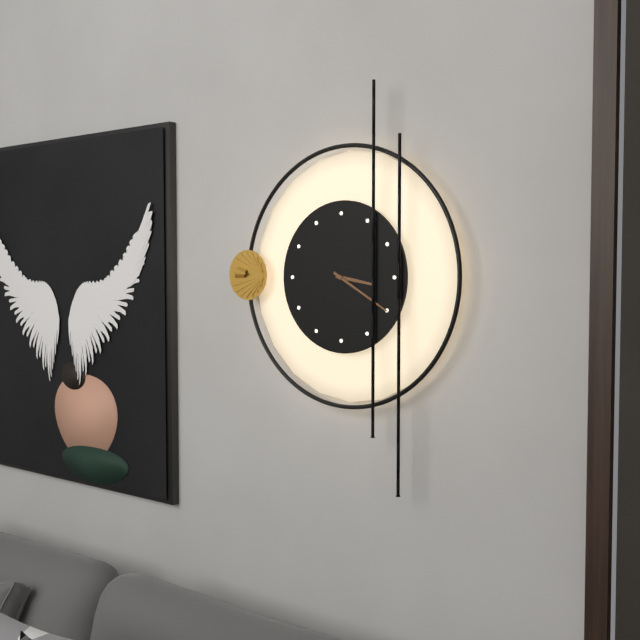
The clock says {"hour": 3, "minute": 20}
